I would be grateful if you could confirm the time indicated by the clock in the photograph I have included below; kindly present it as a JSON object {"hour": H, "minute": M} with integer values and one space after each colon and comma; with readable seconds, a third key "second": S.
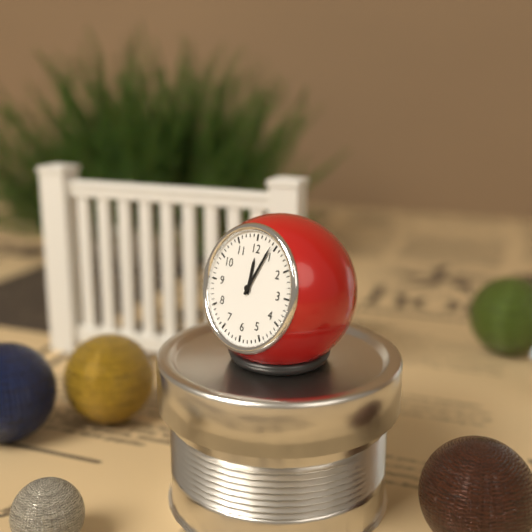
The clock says {"hour": 12, "minute": 4}
